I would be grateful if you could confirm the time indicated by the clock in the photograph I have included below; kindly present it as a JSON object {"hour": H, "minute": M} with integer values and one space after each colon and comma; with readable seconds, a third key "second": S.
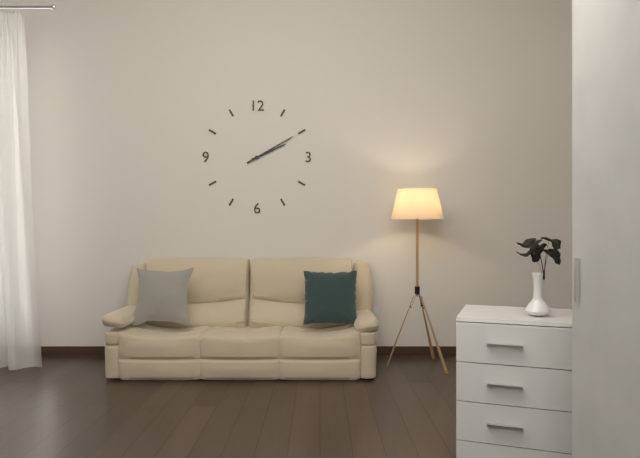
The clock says {"hour": 2, "minute": 10}
